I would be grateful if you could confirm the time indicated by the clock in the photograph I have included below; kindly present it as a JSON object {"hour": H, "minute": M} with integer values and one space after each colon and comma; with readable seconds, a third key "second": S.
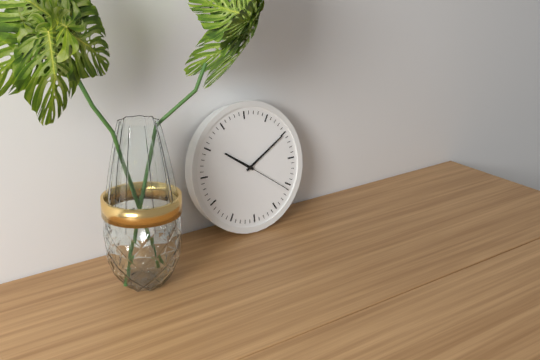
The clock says {"hour": 10, "minute": 10, "second": 21}
